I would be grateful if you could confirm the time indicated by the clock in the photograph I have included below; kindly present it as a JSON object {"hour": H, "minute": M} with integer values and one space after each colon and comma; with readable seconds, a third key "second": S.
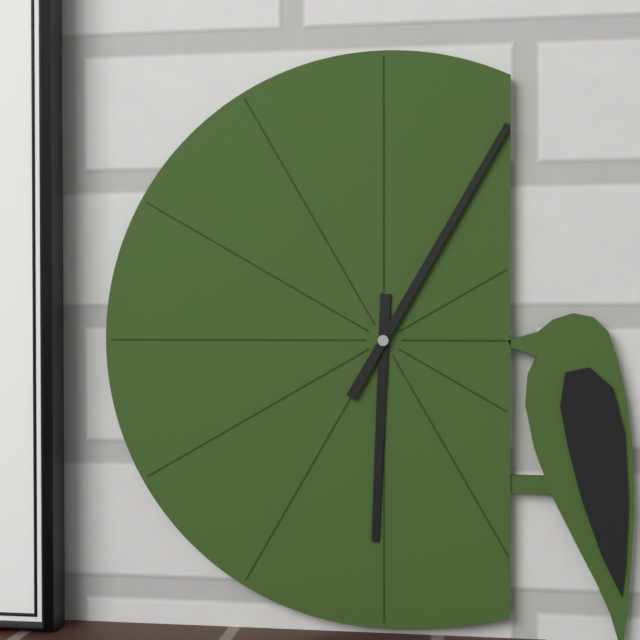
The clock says {"hour": 6, "minute": 5}
